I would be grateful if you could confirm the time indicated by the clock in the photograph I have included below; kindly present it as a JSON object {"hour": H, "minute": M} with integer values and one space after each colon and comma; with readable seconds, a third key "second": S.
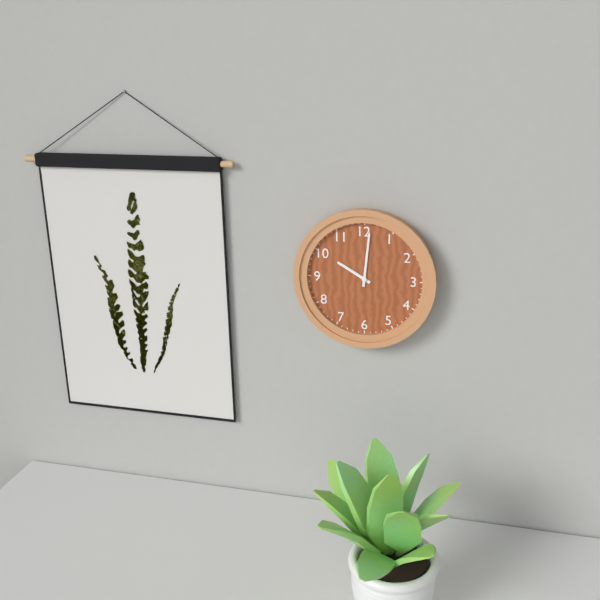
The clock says {"hour": 10, "minute": 1}
